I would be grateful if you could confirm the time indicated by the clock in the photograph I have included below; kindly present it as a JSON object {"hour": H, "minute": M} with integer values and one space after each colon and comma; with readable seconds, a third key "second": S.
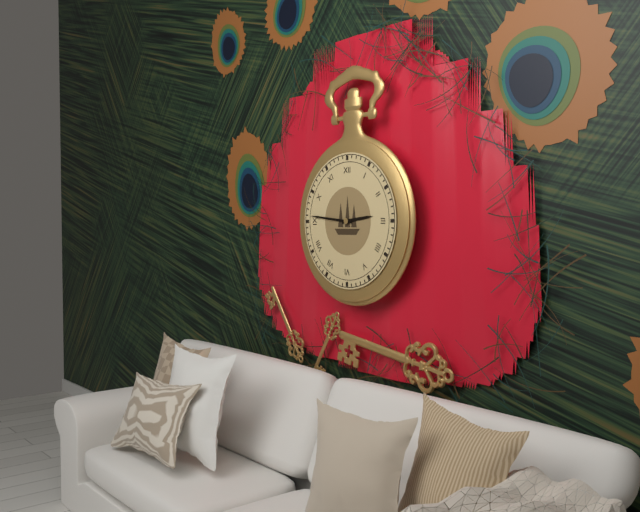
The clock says {"hour": 2, "minute": 46}
